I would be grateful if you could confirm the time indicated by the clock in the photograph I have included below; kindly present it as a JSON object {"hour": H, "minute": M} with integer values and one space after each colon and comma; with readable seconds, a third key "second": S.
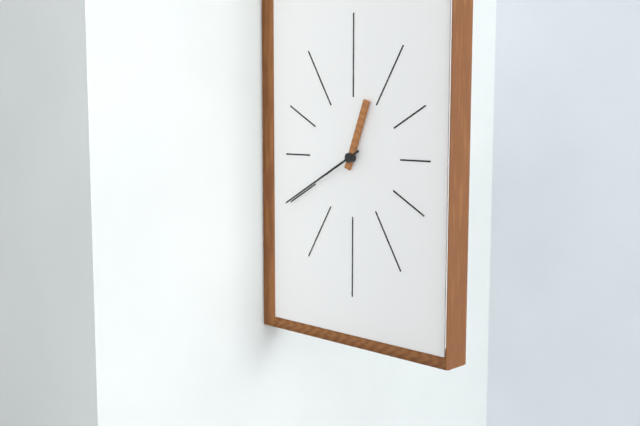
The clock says {"hour": 12, "minute": 40}
